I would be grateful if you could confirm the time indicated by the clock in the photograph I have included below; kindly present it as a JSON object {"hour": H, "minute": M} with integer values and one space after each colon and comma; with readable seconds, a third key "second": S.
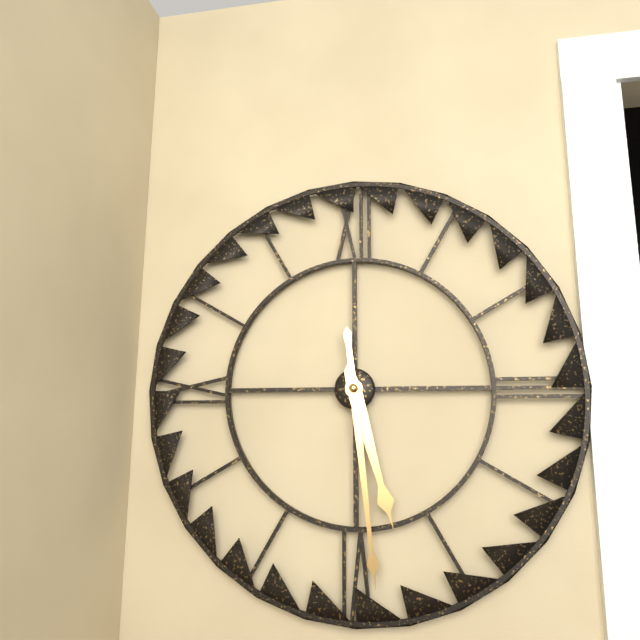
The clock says {"hour": 5, "minute": 29}
